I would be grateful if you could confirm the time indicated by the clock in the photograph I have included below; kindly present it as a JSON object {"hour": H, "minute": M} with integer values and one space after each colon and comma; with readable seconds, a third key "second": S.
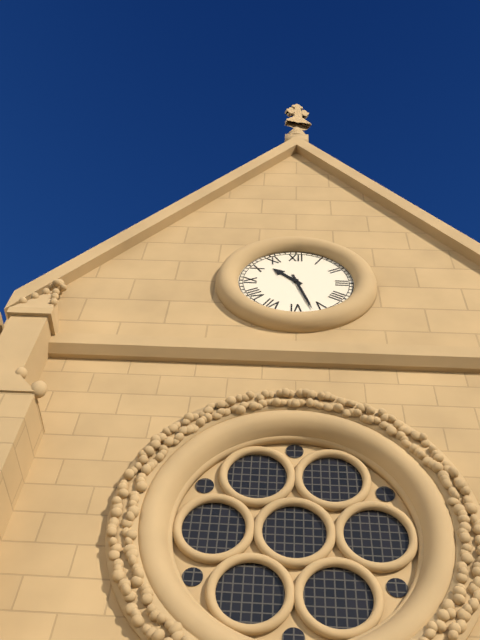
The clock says {"hour": 10, "minute": 27}
